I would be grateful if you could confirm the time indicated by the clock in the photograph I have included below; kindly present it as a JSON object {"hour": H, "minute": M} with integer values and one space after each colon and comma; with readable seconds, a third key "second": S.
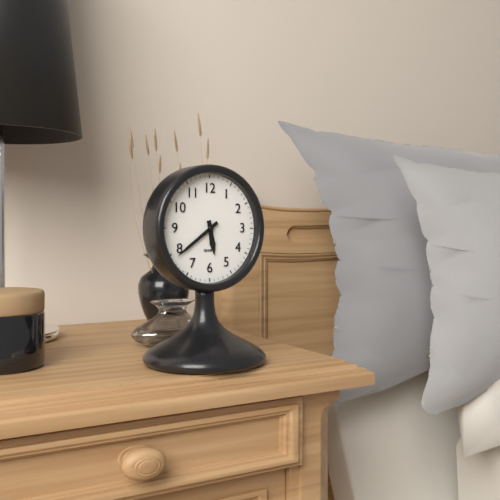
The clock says {"hour": 5, "minute": 39}
